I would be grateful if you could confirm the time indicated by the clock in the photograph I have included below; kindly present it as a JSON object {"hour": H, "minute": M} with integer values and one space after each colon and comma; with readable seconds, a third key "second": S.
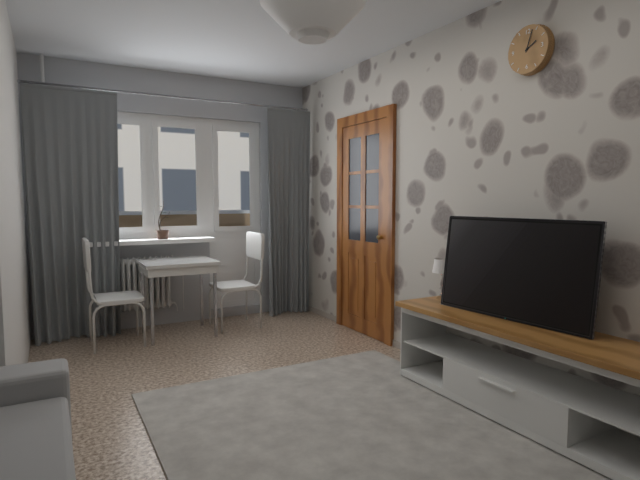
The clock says {"hour": 2, "minute": 3}
